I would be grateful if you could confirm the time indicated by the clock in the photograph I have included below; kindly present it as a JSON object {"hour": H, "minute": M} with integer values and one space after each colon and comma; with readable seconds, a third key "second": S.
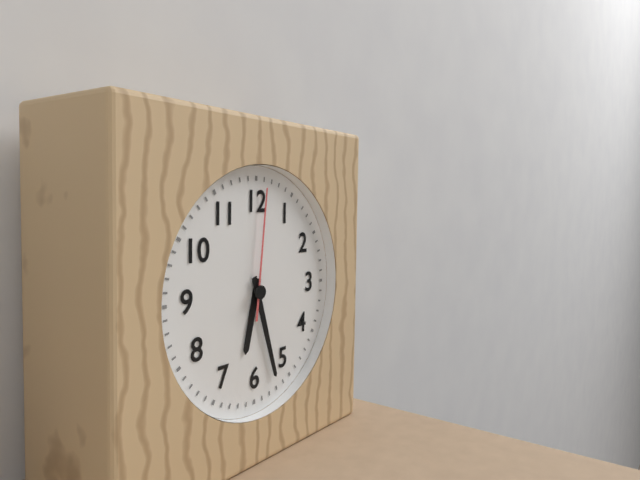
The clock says {"hour": 6, "minute": 27, "second": 1}
